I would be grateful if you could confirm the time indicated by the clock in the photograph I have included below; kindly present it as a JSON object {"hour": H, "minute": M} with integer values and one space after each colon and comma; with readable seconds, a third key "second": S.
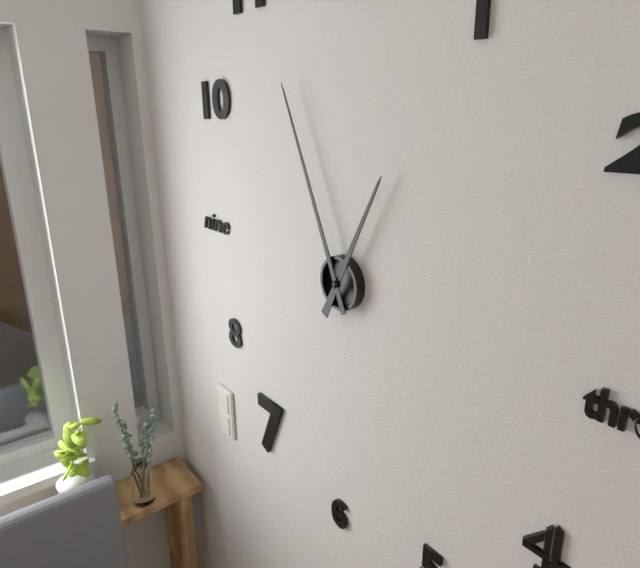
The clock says {"hour": 12, "minute": 56}
